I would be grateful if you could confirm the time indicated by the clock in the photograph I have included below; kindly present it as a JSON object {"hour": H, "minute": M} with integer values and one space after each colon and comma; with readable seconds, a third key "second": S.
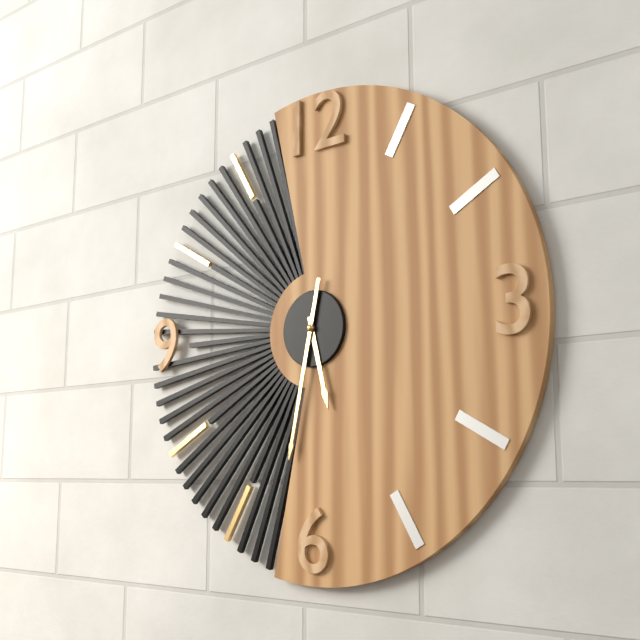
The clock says {"hour": 5, "minute": 32}
